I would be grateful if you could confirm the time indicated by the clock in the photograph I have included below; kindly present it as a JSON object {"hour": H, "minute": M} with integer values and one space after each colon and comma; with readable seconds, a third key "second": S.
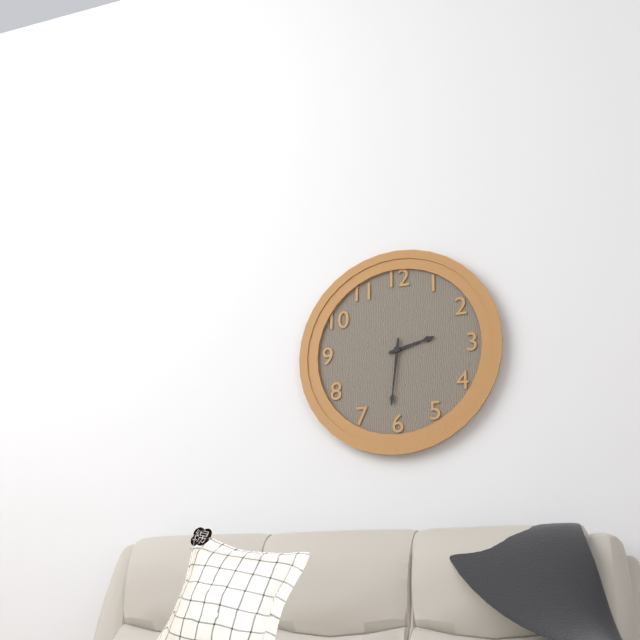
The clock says {"hour": 2, "minute": 31}
